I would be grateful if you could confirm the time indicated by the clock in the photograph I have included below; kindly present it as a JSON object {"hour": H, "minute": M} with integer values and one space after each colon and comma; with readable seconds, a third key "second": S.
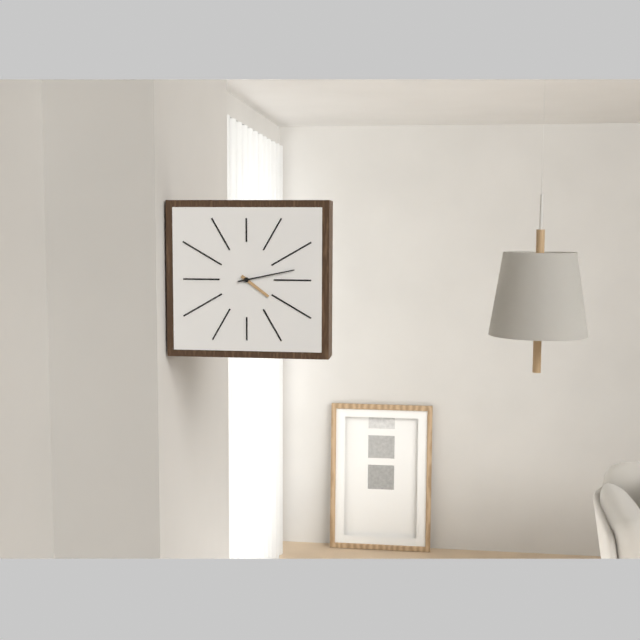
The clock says {"hour": 4, "minute": 13}
